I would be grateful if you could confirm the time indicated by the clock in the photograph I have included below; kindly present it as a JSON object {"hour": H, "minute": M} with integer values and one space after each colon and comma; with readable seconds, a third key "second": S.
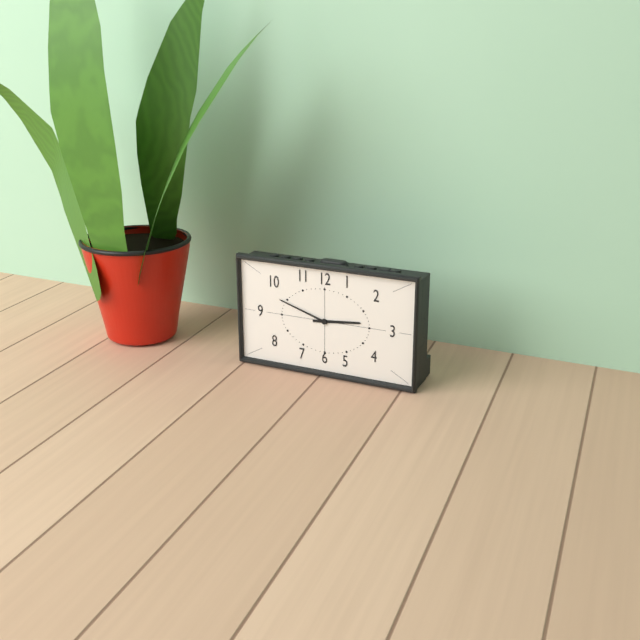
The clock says {"hour": 2, "minute": 48}
